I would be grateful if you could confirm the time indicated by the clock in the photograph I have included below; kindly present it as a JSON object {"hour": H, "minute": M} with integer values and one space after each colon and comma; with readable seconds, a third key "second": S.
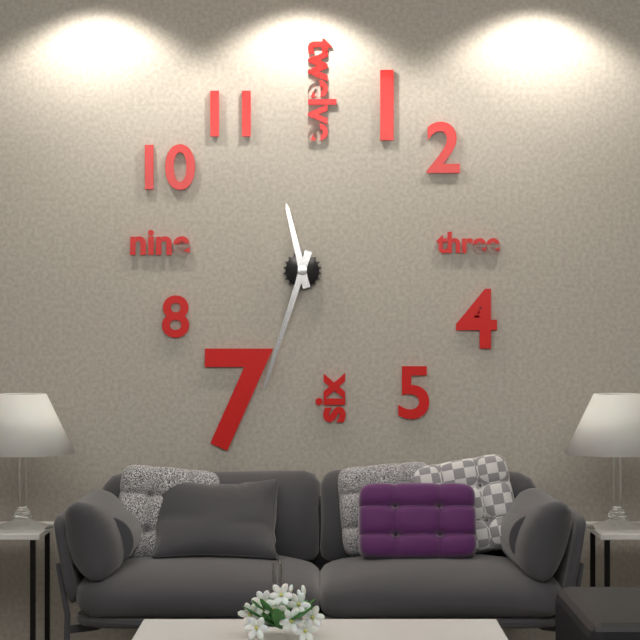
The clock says {"hour": 11, "minute": 33}
